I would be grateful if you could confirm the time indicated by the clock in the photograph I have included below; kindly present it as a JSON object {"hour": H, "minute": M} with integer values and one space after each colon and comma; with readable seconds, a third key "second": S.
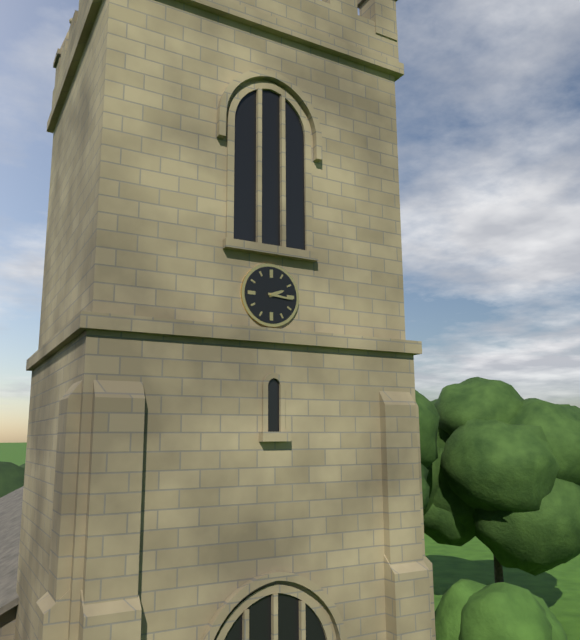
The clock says {"hour": 2, "minute": 16}
